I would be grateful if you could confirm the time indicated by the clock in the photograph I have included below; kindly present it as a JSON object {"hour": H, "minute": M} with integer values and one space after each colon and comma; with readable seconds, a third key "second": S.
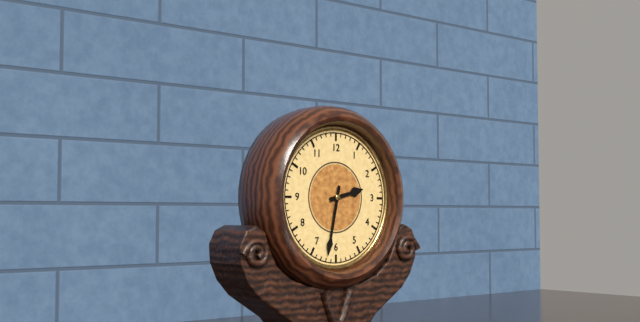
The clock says {"hour": 2, "minute": 32}
